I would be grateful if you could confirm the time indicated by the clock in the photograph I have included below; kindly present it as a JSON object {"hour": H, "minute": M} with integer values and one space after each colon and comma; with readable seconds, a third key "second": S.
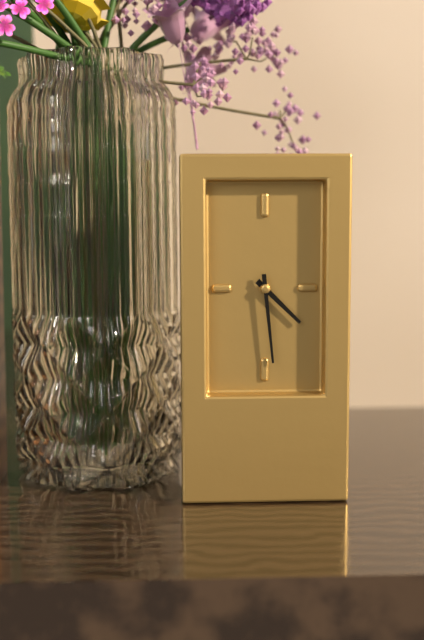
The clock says {"hour": 4, "minute": 29}
